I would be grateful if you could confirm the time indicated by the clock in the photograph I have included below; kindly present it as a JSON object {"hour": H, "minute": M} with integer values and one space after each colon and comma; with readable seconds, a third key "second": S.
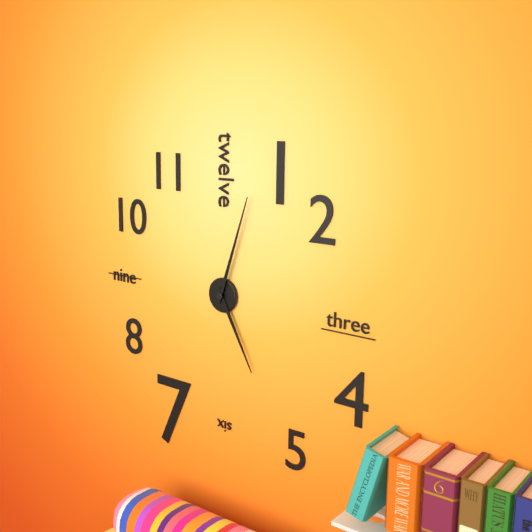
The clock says {"hour": 5, "minute": 3}
